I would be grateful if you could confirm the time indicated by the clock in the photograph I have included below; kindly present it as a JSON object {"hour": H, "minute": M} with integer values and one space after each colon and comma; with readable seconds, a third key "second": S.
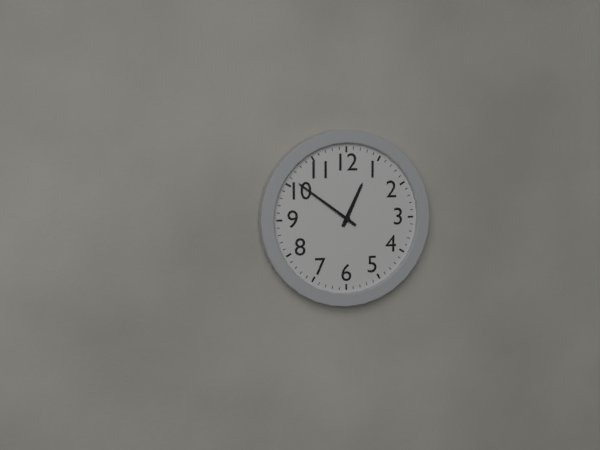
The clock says {"hour": 12, "minute": 51}
